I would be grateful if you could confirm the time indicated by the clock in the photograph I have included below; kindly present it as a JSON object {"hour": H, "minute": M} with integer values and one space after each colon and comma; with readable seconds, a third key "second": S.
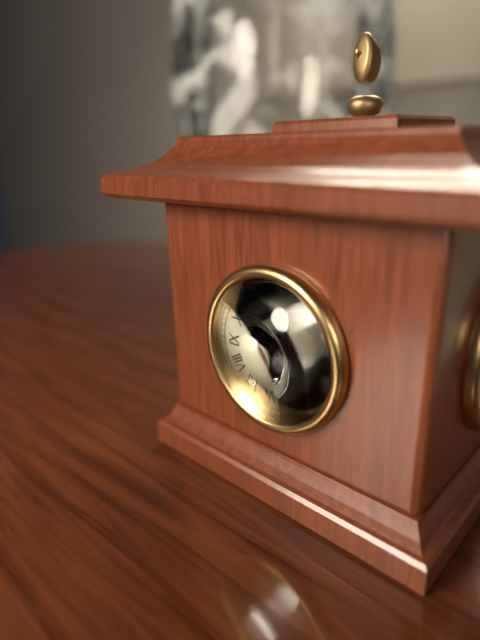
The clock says {"hour": 10, "minute": 16, "second": 22}
